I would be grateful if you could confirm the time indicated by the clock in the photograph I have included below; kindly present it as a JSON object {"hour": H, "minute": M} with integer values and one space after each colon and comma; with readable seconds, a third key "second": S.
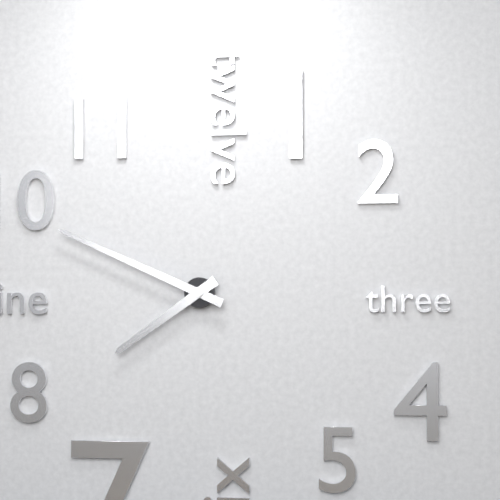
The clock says {"hour": 7, "minute": 49}
